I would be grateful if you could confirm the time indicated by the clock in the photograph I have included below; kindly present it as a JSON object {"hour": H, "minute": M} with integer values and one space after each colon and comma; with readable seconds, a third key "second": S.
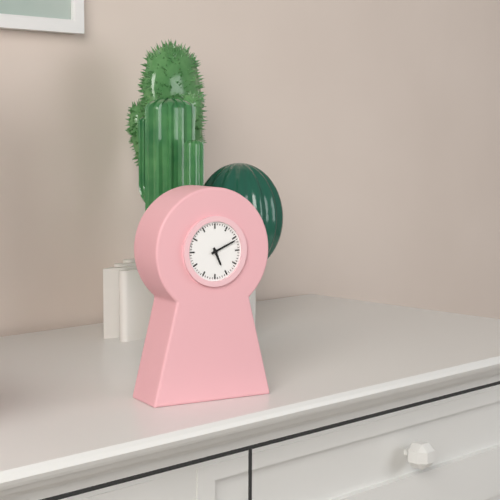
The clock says {"hour": 5, "minute": 11}
